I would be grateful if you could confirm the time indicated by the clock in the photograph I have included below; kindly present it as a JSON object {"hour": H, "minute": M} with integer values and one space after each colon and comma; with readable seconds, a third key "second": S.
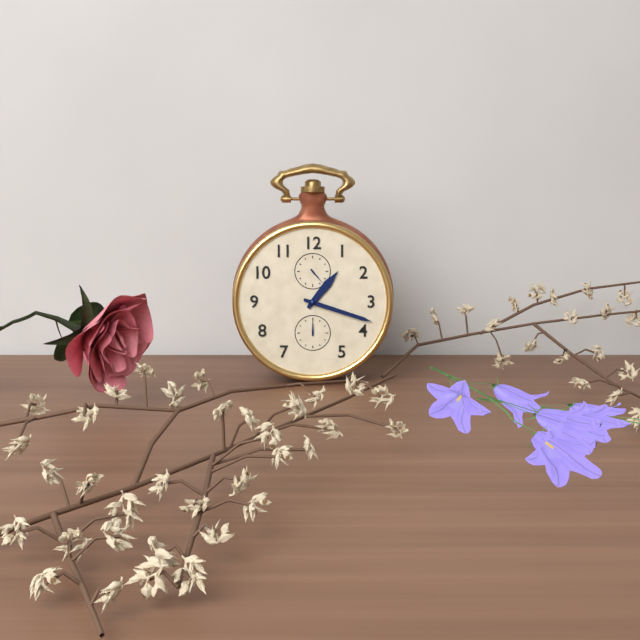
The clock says {"hour": 1, "minute": 18}
